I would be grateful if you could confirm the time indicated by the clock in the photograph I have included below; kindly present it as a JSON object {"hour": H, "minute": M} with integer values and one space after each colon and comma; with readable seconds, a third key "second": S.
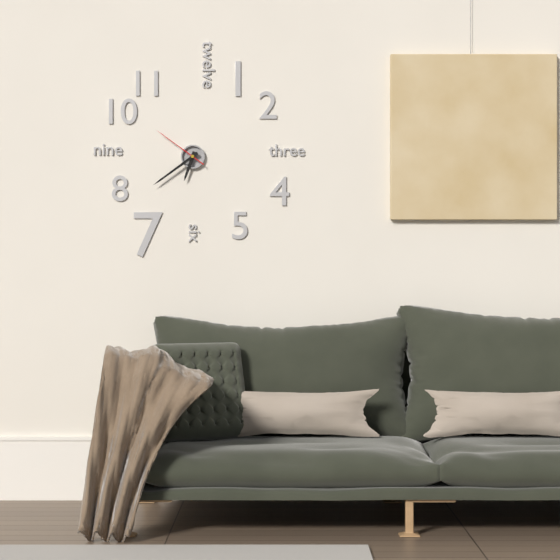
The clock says {"hour": 6, "minute": 39, "second": 51}
